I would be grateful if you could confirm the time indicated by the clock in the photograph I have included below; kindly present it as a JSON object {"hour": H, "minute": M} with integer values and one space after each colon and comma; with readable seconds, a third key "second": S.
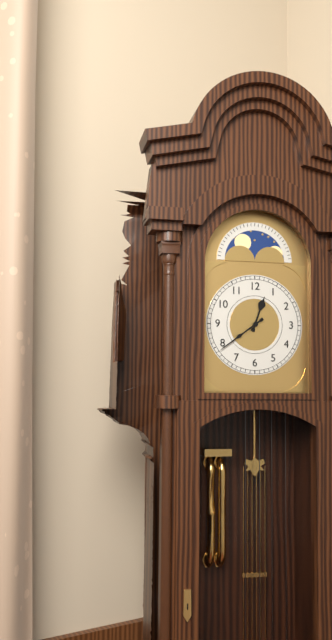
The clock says {"hour": 12, "minute": 39}
